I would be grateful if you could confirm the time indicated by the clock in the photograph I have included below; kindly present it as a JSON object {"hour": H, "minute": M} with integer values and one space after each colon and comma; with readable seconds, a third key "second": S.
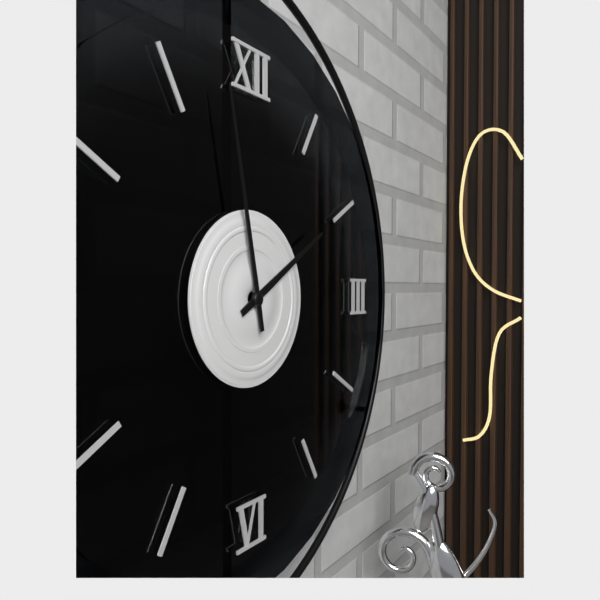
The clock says {"hour": 1, "minute": 58}
